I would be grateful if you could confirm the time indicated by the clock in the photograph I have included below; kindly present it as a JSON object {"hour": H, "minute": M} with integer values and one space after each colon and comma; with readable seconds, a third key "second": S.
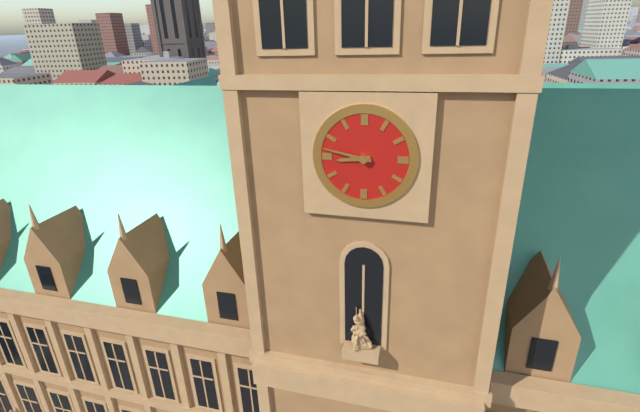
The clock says {"hour": 8, "minute": 47}
